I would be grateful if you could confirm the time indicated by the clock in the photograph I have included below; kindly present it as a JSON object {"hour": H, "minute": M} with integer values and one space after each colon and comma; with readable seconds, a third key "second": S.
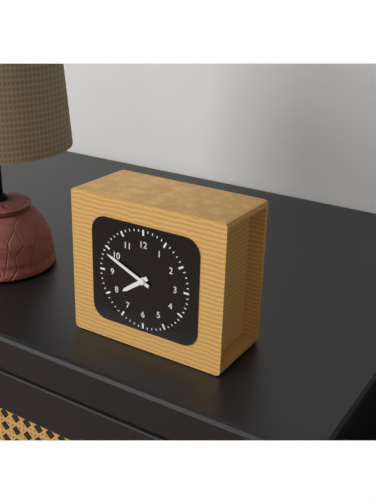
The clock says {"hour": 7, "minute": 49}
